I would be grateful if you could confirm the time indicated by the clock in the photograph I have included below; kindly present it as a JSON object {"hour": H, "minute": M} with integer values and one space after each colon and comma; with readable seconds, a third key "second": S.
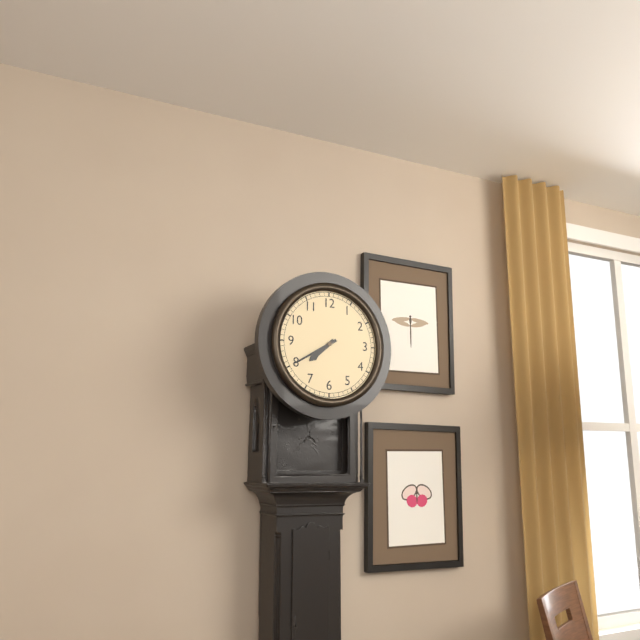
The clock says {"hour": 7, "minute": 40}
